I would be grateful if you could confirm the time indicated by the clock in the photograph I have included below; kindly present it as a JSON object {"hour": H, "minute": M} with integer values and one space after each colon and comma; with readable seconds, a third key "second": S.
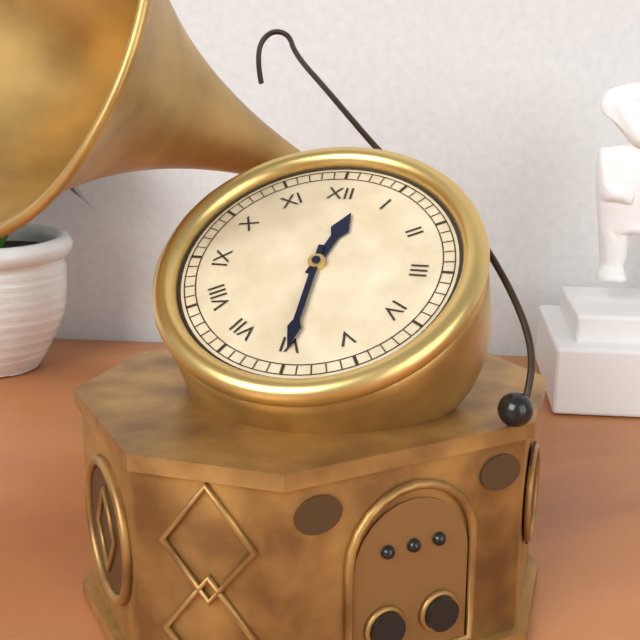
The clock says {"hour": 12, "minute": 30}
